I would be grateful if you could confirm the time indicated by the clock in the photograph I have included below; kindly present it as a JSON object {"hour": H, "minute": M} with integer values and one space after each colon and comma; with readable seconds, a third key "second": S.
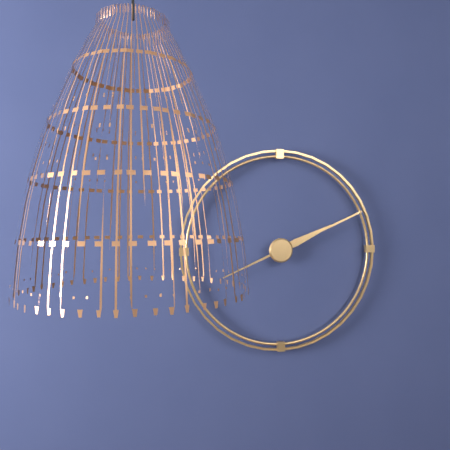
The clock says {"hour": 2, "minute": 11}
